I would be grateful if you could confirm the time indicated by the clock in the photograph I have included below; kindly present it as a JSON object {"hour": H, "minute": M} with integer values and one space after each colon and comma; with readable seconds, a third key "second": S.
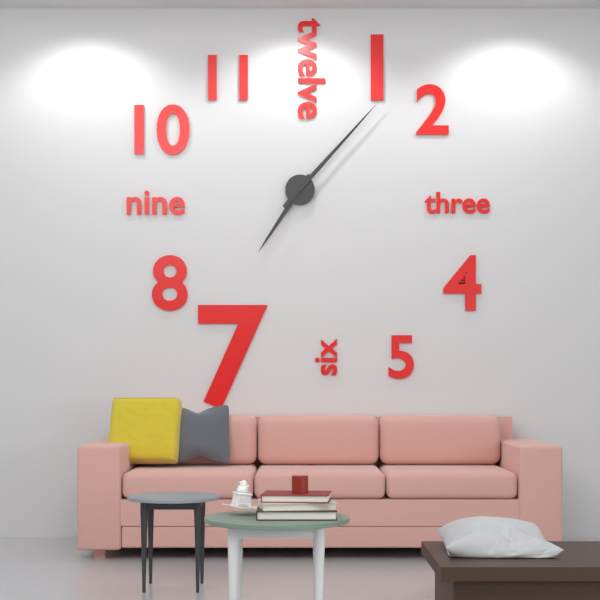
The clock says {"hour": 7, "minute": 7}
